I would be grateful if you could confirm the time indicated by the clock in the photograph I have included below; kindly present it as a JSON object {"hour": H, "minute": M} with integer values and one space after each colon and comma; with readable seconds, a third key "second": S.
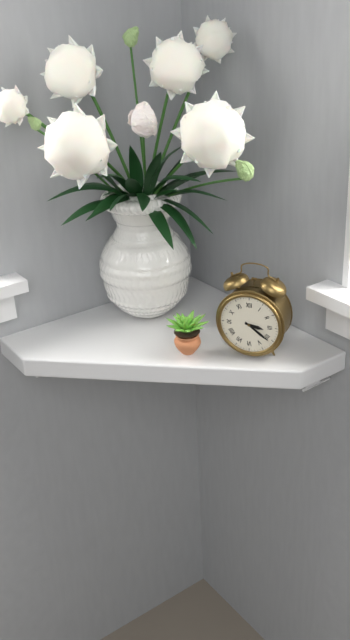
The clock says {"hour": 3, "minute": 21}
